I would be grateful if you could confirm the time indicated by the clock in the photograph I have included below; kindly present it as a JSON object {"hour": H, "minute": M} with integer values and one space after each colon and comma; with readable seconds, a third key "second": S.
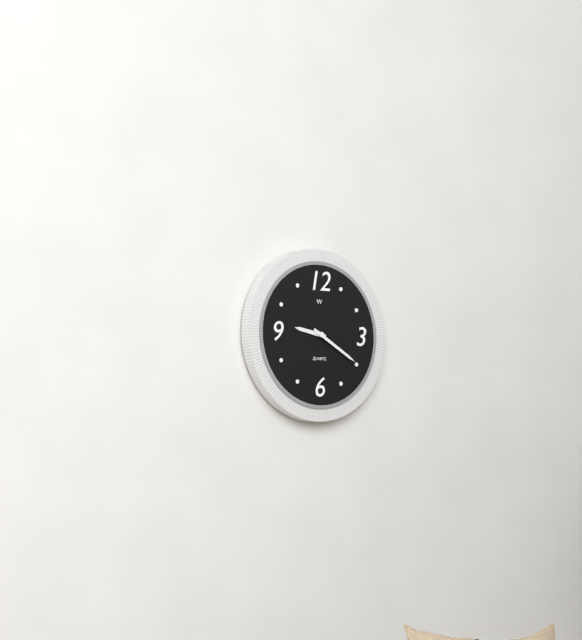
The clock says {"hour": 9, "minute": 20}
